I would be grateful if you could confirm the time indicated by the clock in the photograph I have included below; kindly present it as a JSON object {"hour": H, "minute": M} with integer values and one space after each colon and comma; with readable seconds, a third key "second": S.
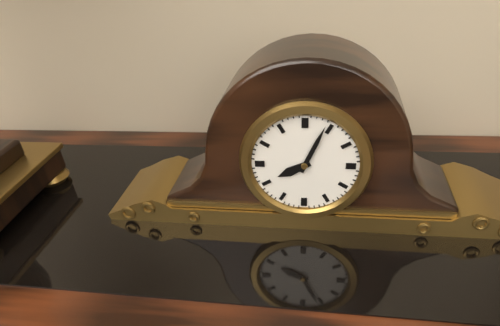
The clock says {"hour": 8, "minute": 4}
